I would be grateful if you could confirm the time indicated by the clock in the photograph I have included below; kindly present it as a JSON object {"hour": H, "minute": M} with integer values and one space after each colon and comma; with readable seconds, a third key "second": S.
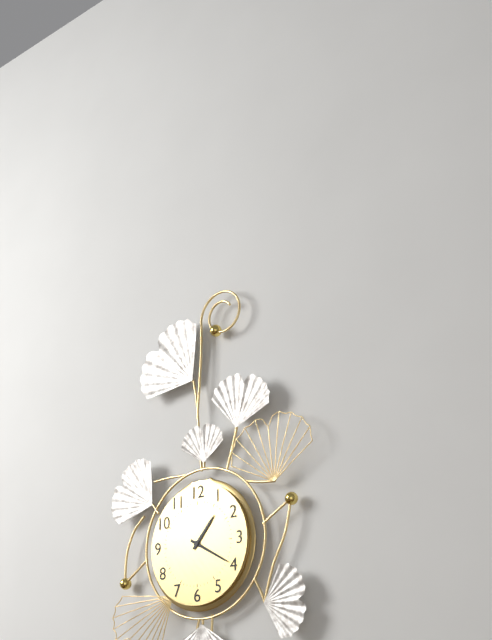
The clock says {"hour": 1, "minute": 20}
